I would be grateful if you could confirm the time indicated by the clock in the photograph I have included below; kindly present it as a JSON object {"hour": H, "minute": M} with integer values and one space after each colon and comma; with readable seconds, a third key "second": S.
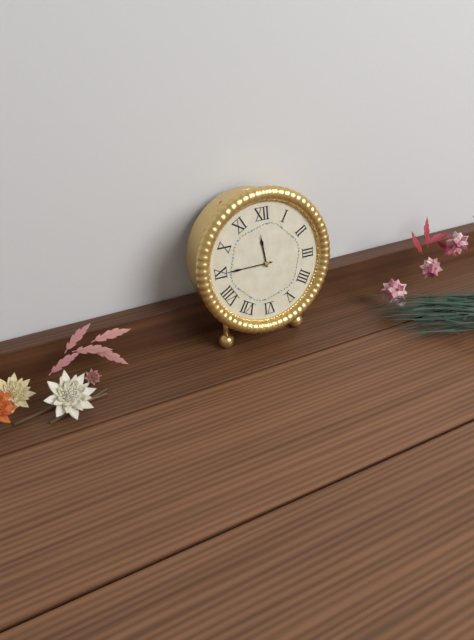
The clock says {"hour": 11, "minute": 45}
